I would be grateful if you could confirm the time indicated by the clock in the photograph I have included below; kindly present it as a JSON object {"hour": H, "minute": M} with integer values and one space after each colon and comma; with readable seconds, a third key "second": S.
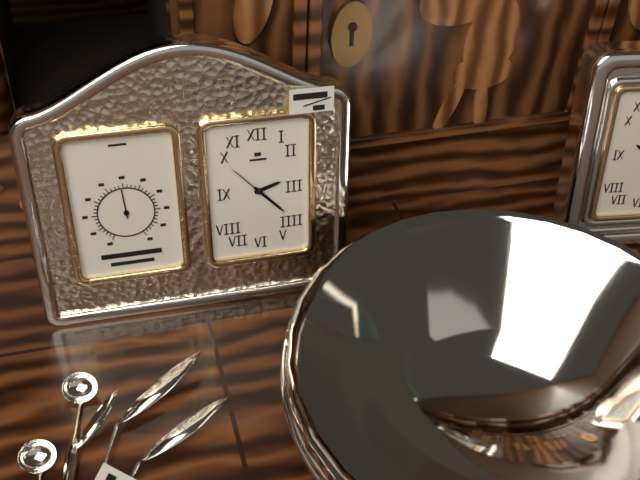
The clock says {"hour": 2, "minute": 23}
